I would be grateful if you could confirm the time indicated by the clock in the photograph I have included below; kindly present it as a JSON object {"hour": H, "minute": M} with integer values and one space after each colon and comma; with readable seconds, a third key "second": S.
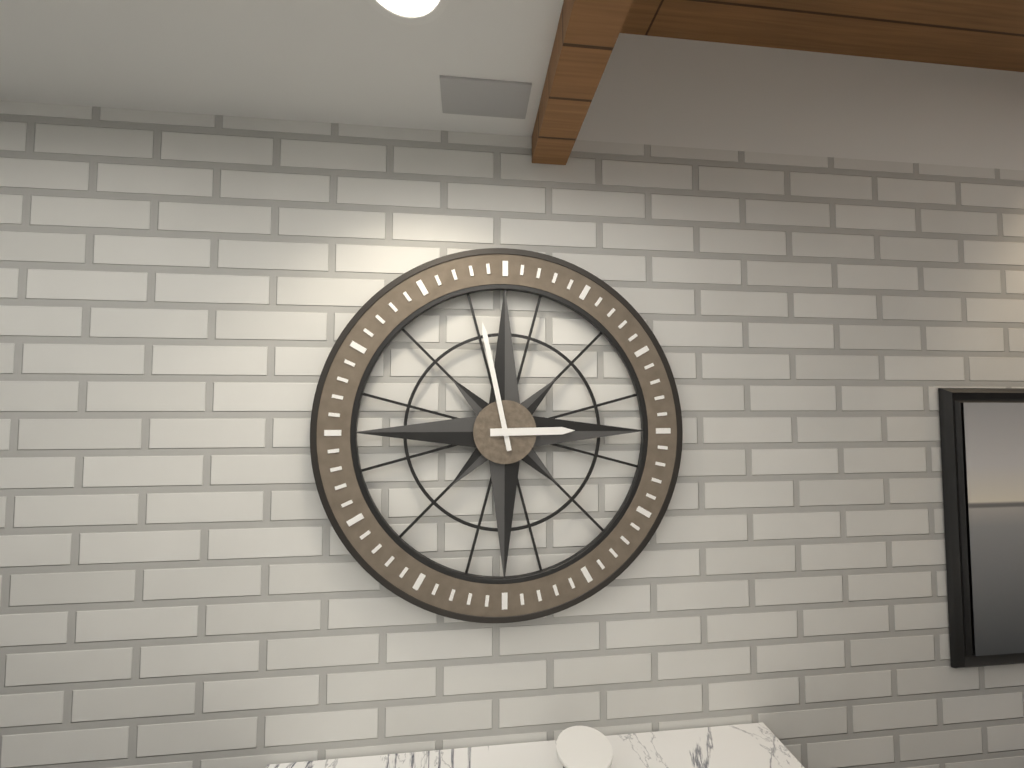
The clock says {"hour": 2, "minute": 58}
